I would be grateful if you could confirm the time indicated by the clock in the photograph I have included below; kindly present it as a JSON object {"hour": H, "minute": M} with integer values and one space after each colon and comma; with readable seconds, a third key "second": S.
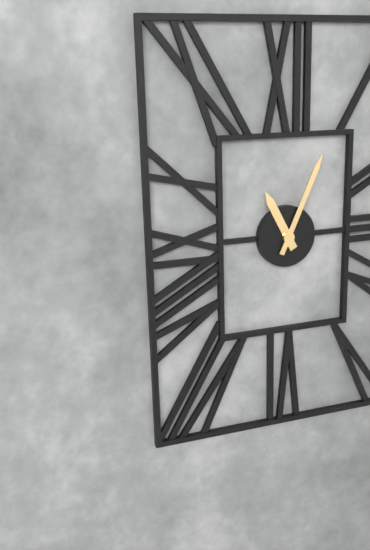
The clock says {"hour": 11, "minute": 4}
